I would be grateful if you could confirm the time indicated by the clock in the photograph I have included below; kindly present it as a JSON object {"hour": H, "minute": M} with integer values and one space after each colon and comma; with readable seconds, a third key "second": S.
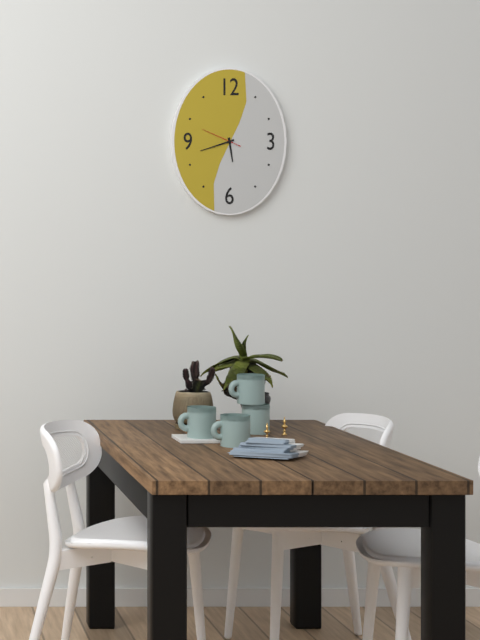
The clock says {"hour": 5, "minute": 42}
